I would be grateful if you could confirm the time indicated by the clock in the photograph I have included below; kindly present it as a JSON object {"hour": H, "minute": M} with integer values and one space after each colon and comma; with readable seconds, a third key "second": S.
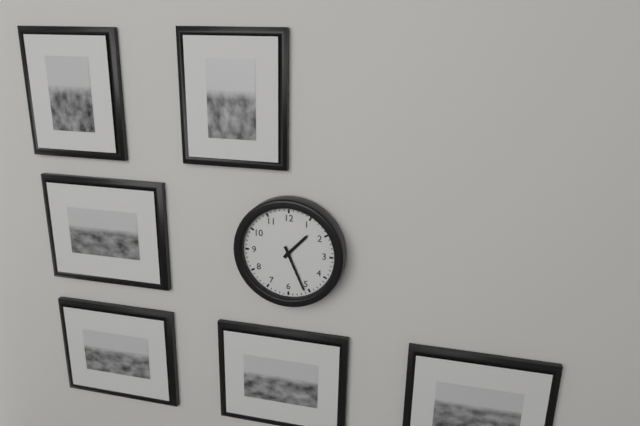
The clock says {"hour": 1, "minute": 26}
